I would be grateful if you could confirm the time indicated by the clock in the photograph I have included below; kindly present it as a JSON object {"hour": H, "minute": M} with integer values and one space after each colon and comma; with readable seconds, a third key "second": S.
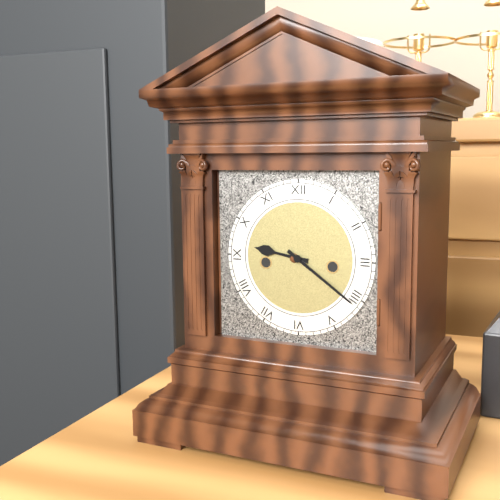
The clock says {"hour": 9, "minute": 21}
